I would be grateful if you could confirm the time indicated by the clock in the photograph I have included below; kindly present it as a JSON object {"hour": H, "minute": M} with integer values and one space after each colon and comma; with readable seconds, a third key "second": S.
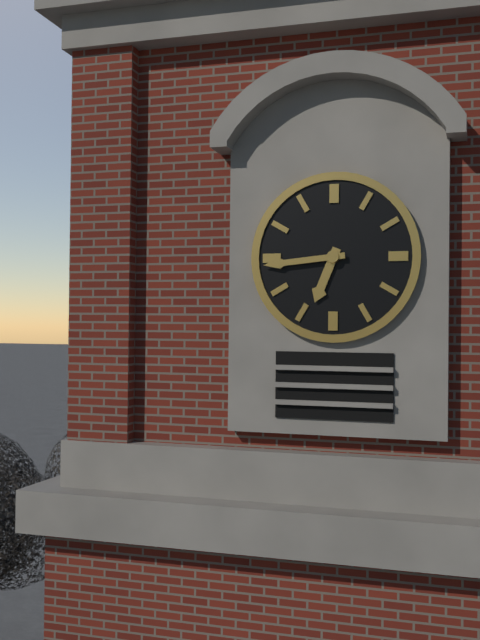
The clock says {"hour": 6, "minute": 44}
